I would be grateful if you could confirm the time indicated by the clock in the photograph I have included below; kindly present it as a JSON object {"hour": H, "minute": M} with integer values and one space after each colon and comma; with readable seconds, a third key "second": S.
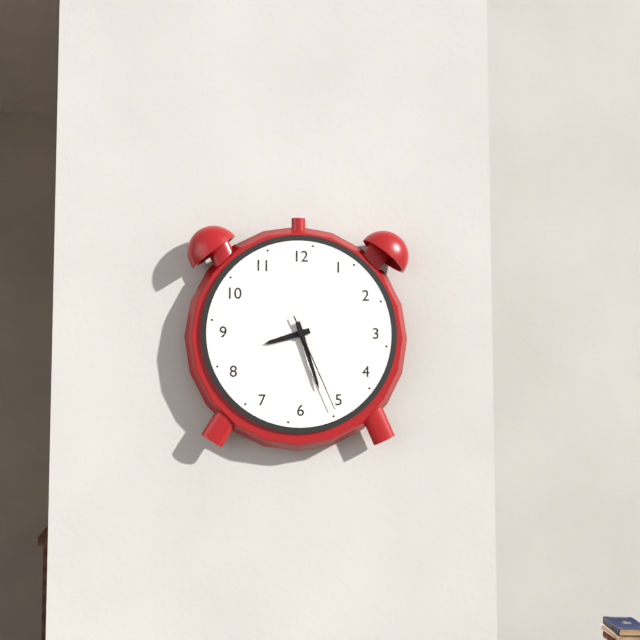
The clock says {"hour": 8, "minute": 27, "second": 26}
